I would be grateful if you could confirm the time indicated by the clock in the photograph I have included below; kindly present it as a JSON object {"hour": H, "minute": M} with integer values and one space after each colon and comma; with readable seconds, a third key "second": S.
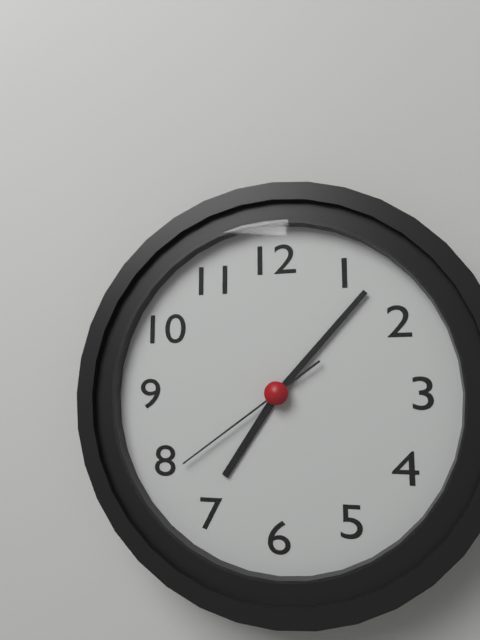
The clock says {"hour": 7, "minute": 7, "second": 39}
